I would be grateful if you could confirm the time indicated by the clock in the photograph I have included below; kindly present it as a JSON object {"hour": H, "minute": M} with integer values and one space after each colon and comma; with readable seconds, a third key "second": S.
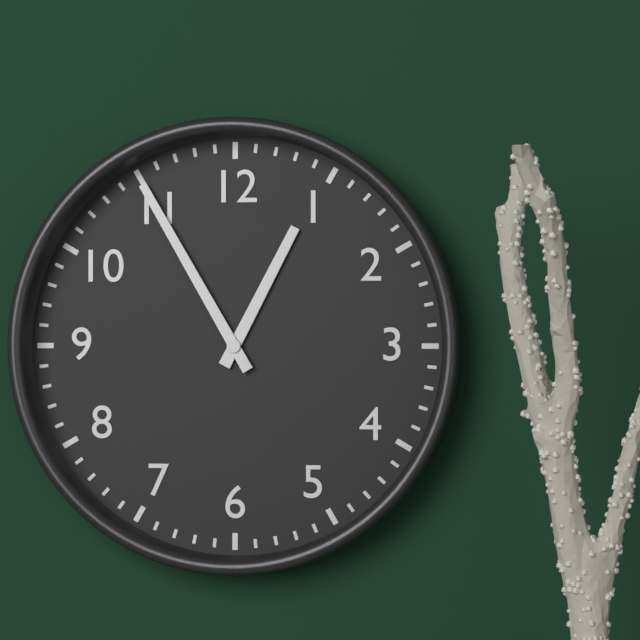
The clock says {"hour": 12, "minute": 55}
